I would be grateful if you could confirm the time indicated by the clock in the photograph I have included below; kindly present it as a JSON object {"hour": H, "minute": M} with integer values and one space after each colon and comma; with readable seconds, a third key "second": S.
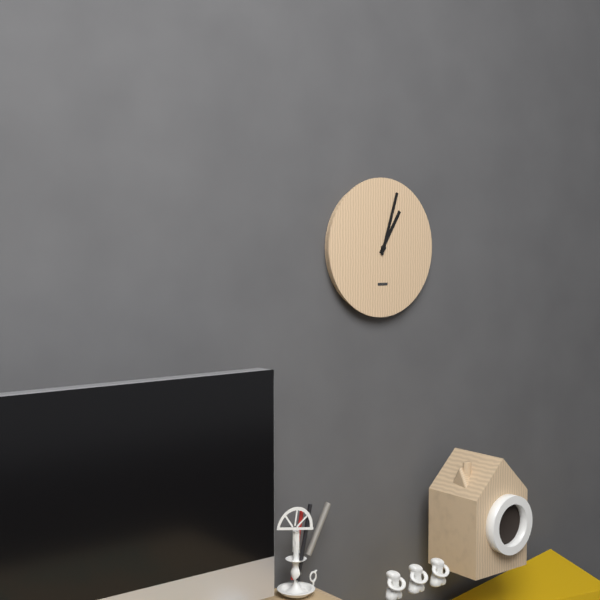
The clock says {"hour": 1, "minute": 3}
